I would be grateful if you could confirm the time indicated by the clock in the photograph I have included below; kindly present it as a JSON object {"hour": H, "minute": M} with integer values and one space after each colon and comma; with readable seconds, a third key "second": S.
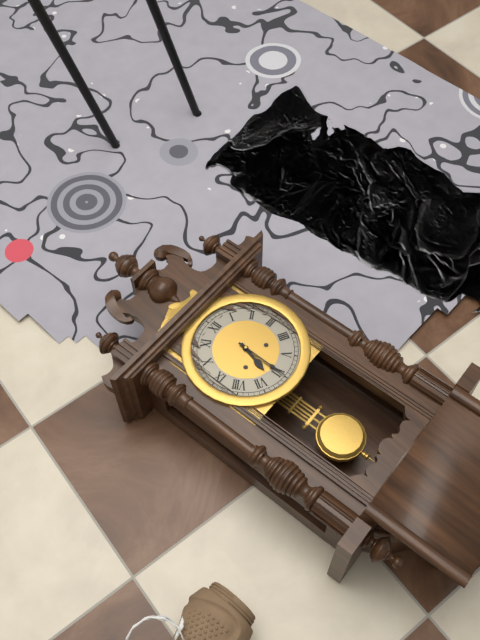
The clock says {"hour": 6, "minute": 30}
